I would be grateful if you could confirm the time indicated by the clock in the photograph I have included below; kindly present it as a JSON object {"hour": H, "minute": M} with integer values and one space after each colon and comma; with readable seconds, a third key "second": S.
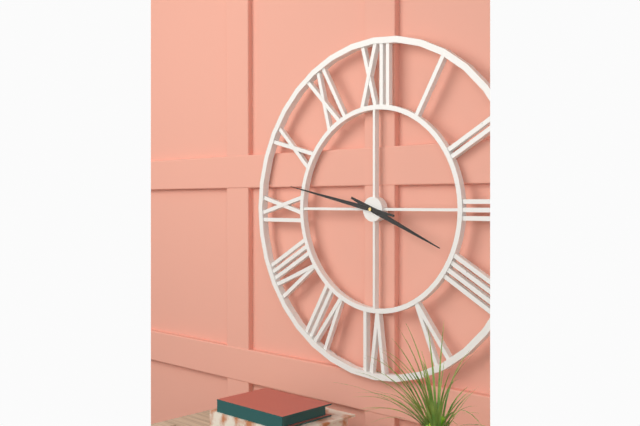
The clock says {"hour": 3, "minute": 47}
